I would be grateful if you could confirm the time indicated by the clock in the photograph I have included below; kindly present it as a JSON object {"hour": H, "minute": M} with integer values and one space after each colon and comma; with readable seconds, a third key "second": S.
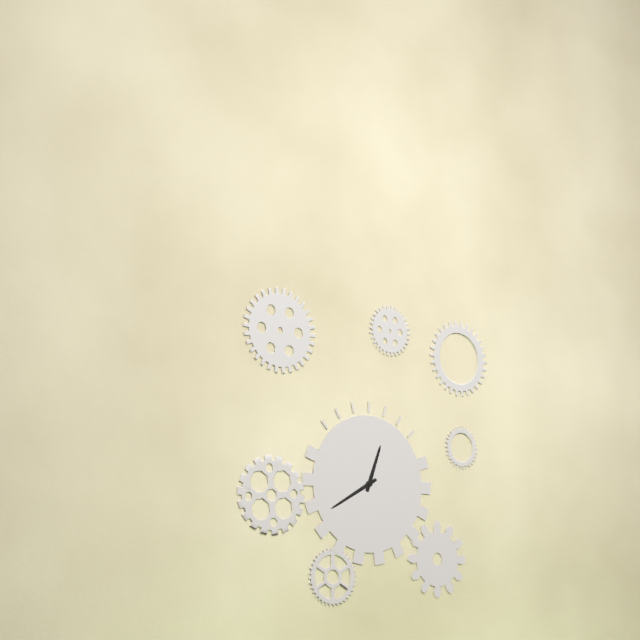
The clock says {"hour": 12, "minute": 40}
